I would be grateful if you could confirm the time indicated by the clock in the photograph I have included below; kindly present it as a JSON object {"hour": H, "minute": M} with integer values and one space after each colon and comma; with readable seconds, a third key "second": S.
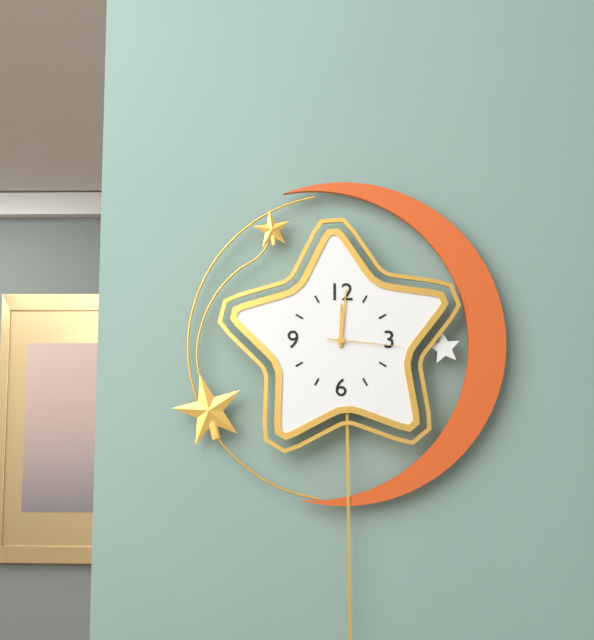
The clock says {"hour": 12, "minute": 1, "second": 16}
